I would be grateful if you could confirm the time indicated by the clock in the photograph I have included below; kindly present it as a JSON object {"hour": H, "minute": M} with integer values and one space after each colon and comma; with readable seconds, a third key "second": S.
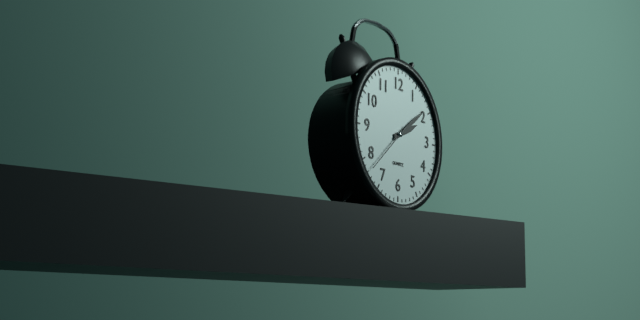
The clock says {"hour": 2, "minute": 9, "second": 38}
